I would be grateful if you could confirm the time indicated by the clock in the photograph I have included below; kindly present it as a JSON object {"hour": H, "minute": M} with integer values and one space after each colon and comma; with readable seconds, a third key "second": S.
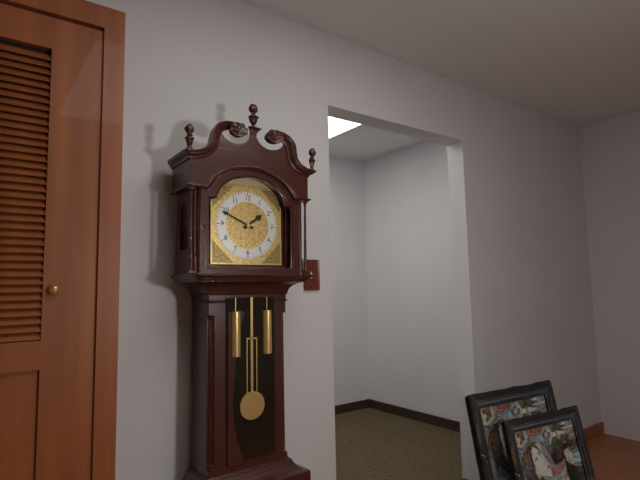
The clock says {"hour": 1, "minute": 49}
